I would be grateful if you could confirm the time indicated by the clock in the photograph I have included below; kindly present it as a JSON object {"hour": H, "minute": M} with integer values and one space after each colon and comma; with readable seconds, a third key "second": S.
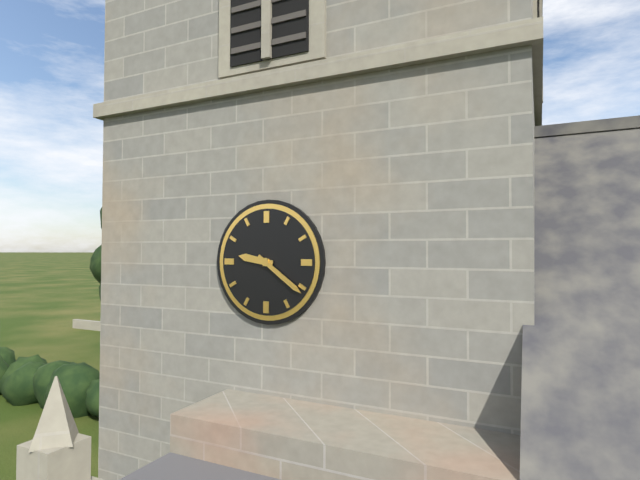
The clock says {"hour": 9, "minute": 21}
